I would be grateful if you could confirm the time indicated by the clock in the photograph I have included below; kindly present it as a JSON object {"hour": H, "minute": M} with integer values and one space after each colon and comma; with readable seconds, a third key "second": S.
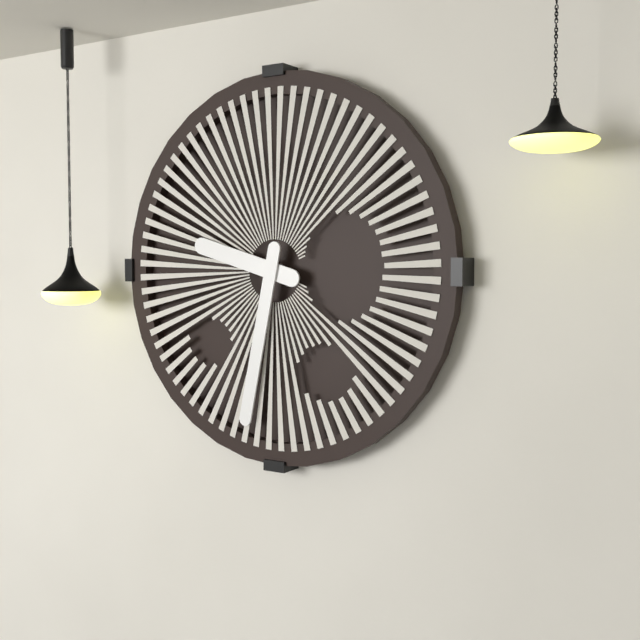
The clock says {"hour": 9, "minute": 32}
